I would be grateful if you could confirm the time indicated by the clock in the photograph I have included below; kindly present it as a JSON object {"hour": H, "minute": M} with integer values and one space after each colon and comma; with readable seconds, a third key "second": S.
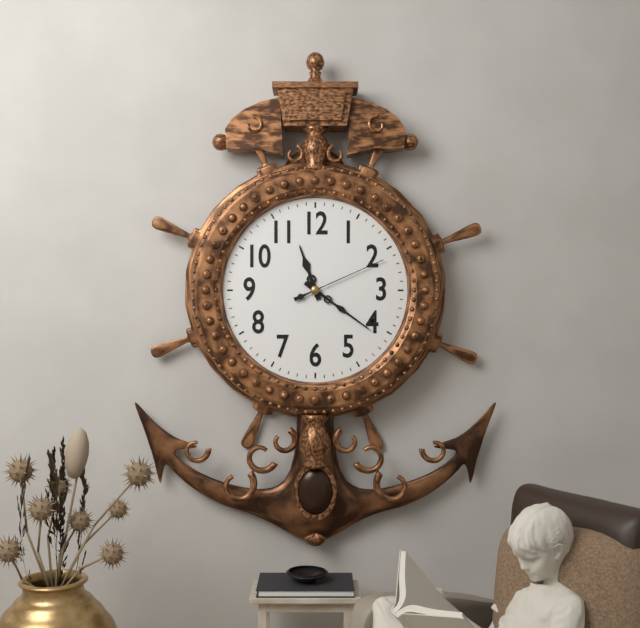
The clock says {"hour": 11, "minute": 21, "second": 11}
